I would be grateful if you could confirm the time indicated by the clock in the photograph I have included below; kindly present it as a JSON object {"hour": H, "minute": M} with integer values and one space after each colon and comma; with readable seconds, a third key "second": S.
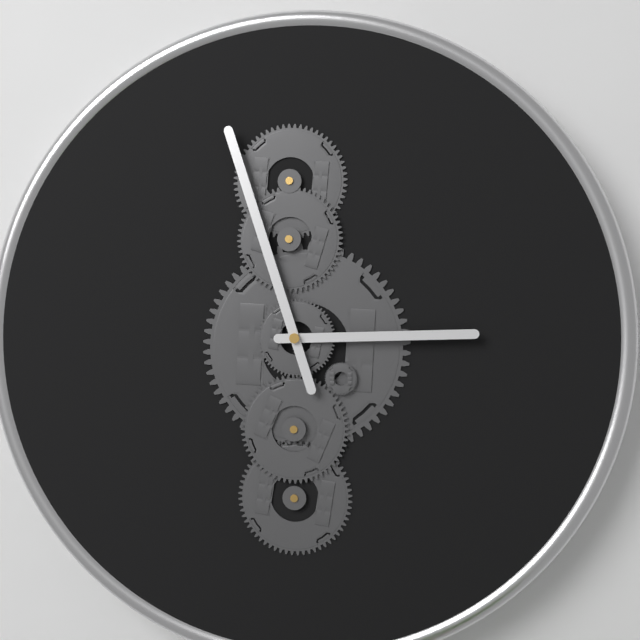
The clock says {"hour": 2, "minute": 57}
